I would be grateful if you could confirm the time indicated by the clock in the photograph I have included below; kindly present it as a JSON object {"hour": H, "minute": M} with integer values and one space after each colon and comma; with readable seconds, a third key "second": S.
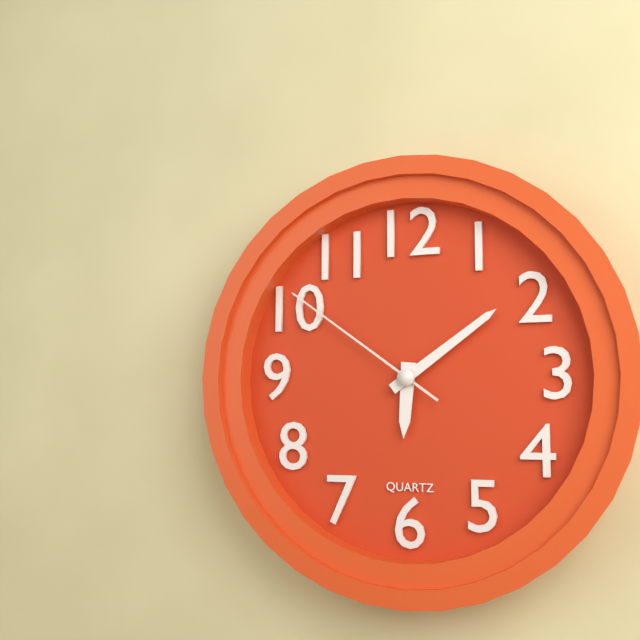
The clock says {"hour": 6, "minute": 9, "second": 51}
